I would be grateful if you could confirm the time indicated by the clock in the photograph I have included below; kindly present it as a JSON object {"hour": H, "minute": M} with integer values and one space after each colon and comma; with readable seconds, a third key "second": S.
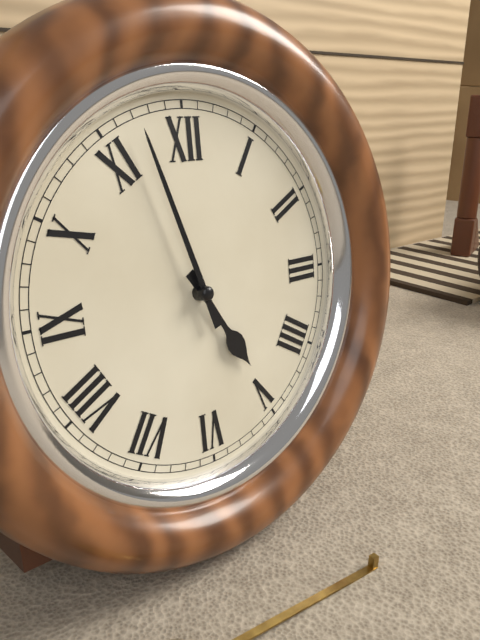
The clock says {"hour": 4, "minute": 57}
